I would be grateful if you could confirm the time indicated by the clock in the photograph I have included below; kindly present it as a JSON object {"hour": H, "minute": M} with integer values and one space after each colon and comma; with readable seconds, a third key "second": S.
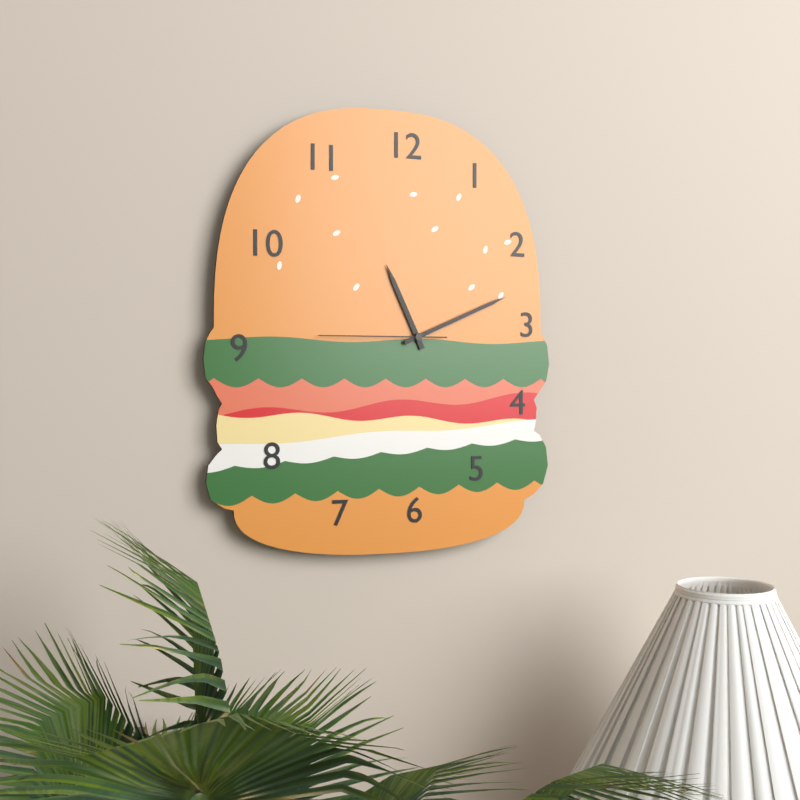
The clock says {"hour": 11, "minute": 11, "second": 45}
